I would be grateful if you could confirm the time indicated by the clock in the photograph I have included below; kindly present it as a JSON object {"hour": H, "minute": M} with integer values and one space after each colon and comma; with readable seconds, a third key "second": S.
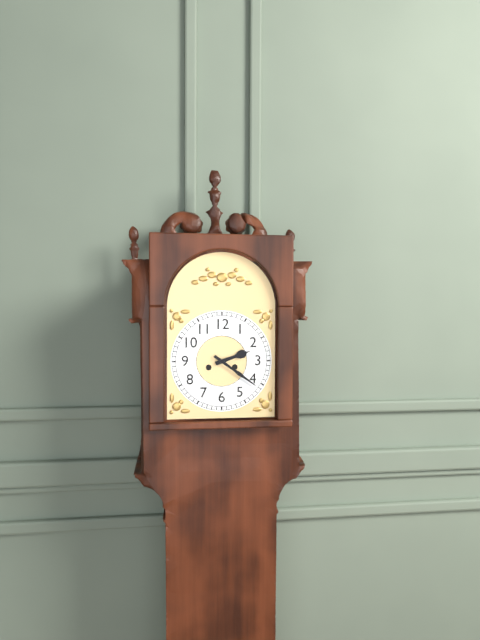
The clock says {"hour": 2, "minute": 21}
